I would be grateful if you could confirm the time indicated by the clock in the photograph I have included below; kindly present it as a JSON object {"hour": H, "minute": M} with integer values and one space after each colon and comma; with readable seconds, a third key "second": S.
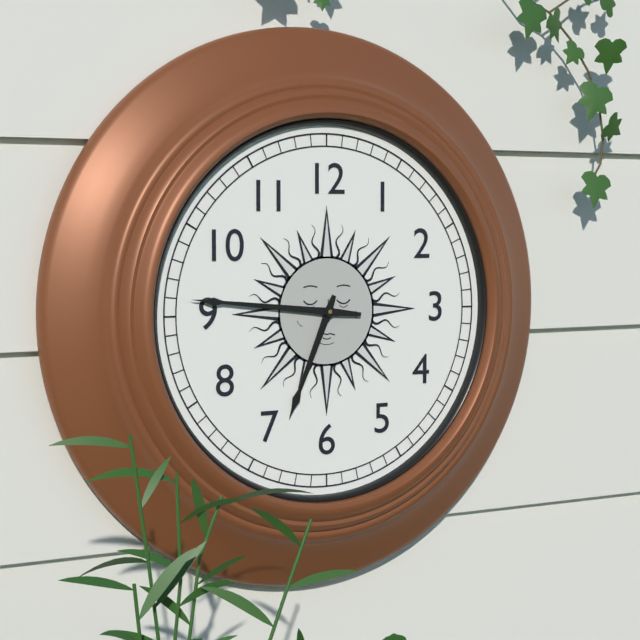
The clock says {"hour": 6, "minute": 46}
